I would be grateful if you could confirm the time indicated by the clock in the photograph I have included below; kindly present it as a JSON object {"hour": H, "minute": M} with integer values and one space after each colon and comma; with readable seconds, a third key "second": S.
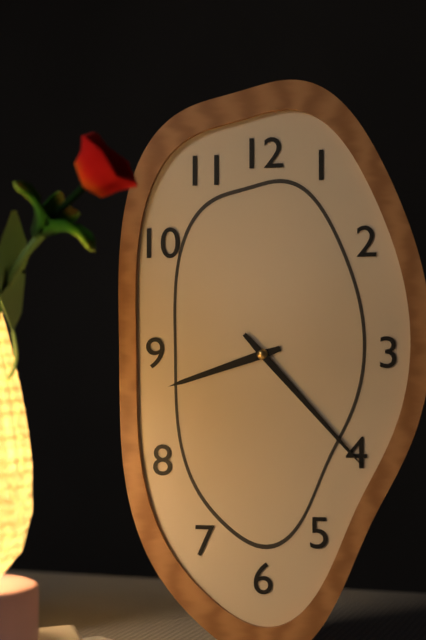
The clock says {"hour": 8, "minute": 23}
